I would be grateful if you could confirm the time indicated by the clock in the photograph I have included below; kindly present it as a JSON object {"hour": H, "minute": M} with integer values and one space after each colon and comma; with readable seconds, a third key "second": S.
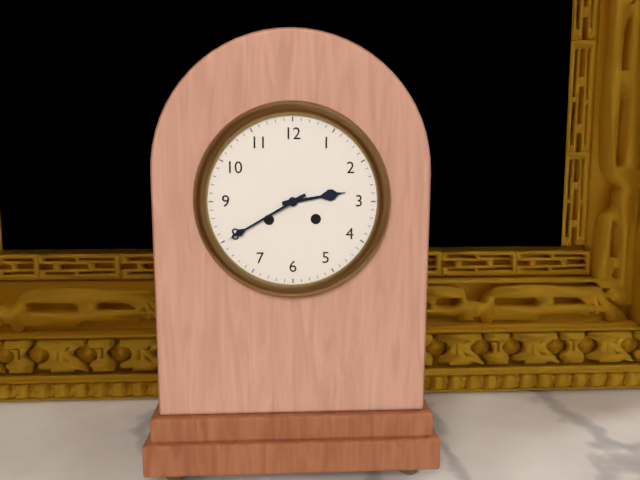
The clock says {"hour": 2, "minute": 40}
